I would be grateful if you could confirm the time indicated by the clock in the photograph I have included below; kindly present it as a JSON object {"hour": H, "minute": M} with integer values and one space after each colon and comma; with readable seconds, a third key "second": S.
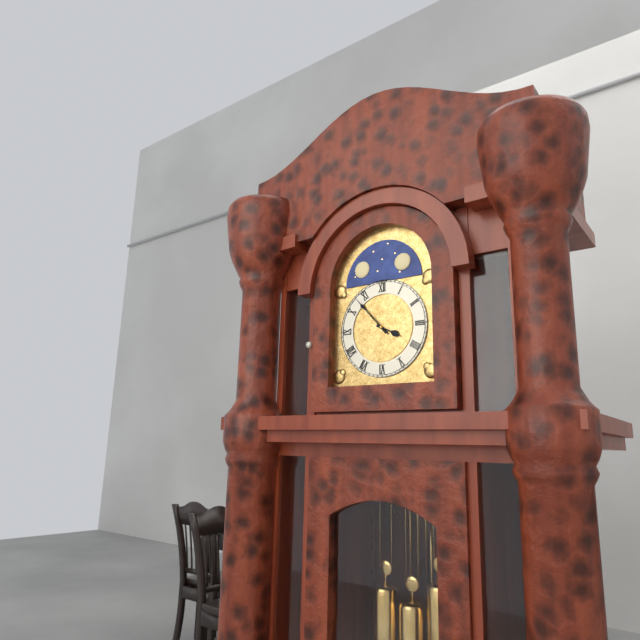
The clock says {"hour": 3, "minute": 53}
